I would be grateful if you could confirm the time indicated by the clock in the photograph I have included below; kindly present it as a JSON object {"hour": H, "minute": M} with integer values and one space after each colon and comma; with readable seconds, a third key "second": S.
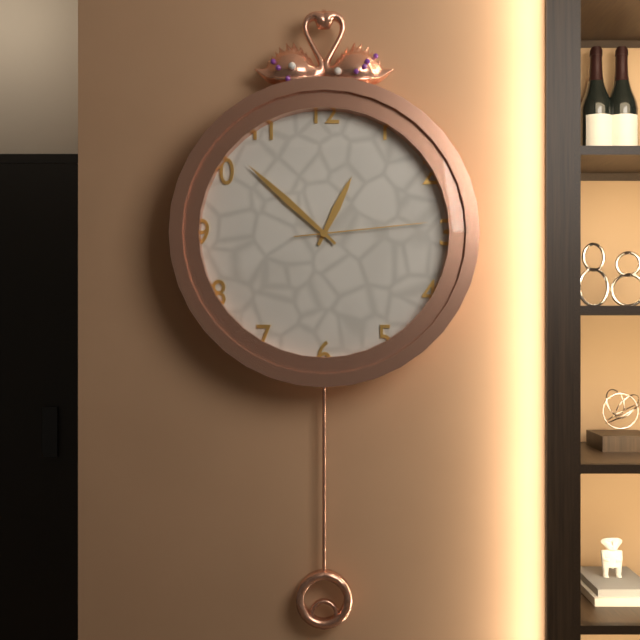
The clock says {"hour": 12, "minute": 52, "second": 14}
